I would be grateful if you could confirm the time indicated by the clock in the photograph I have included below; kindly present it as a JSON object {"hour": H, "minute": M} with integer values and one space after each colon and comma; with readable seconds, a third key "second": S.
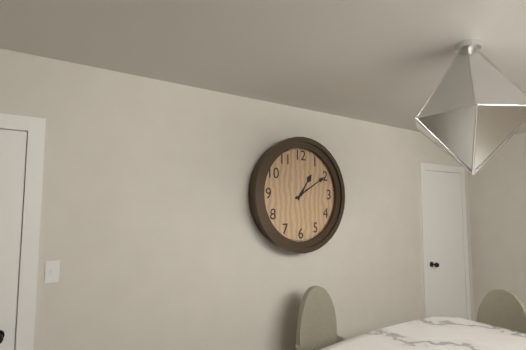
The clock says {"hour": 1, "minute": 10}
